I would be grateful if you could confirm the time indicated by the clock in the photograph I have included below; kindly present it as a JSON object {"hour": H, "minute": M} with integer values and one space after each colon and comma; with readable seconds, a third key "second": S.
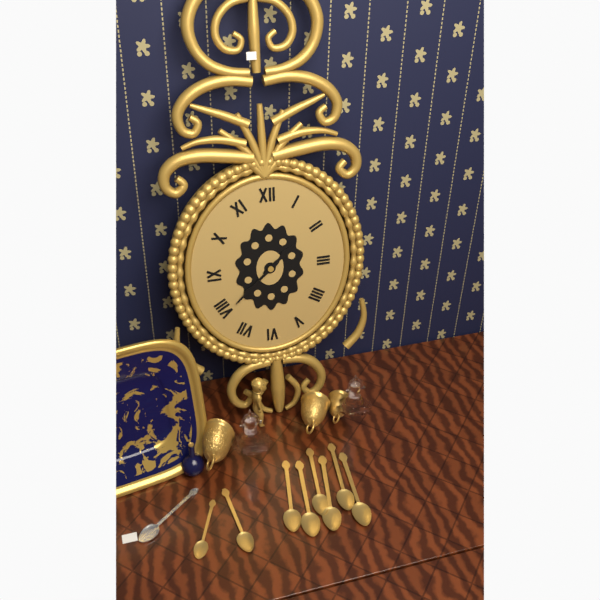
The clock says {"hour": 1, "minute": 38}
